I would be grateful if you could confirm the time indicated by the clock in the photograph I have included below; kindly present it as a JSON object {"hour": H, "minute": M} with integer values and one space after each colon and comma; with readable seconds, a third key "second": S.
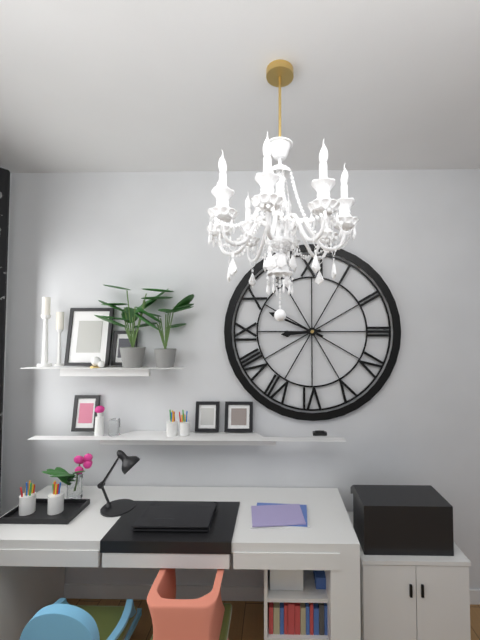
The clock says {"hour": 8, "minute": 49}
